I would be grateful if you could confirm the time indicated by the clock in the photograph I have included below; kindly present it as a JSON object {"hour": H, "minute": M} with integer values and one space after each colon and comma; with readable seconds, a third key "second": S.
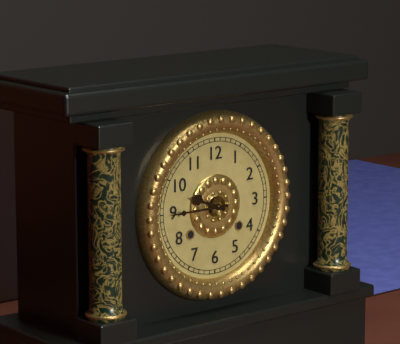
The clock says {"hour": 9, "minute": 45}
